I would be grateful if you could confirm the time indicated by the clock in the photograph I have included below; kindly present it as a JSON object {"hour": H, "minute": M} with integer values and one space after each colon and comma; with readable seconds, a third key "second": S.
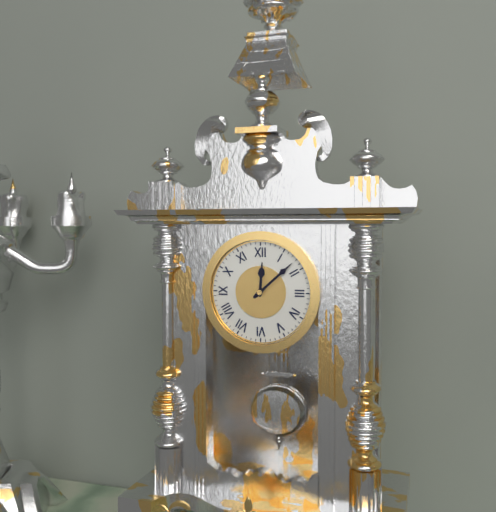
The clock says {"hour": 12, "minute": 8}
